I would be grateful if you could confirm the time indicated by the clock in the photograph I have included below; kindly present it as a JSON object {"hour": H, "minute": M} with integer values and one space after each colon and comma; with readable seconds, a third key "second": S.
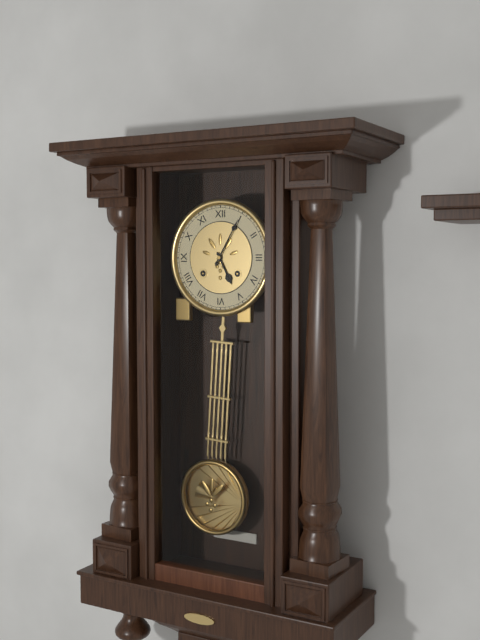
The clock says {"hour": 5, "minute": 5}
